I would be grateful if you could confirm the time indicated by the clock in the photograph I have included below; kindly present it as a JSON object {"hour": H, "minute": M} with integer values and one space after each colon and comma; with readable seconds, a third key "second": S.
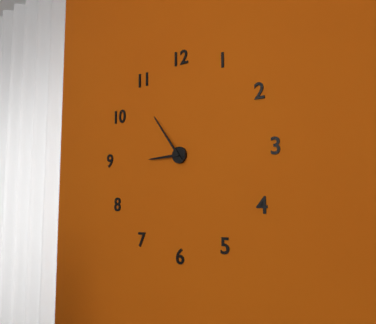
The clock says {"hour": 8, "minute": 54}
